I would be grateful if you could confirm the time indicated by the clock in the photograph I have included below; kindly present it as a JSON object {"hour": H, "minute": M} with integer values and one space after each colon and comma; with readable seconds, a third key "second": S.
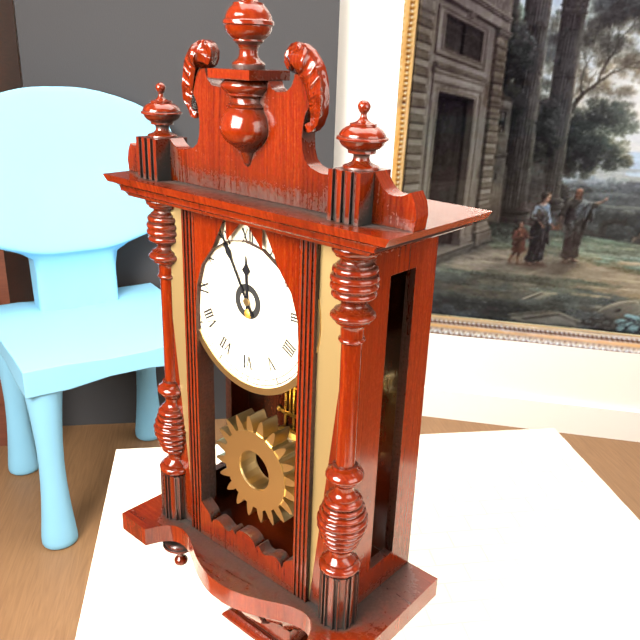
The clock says {"hour": 11, "minute": 55}
